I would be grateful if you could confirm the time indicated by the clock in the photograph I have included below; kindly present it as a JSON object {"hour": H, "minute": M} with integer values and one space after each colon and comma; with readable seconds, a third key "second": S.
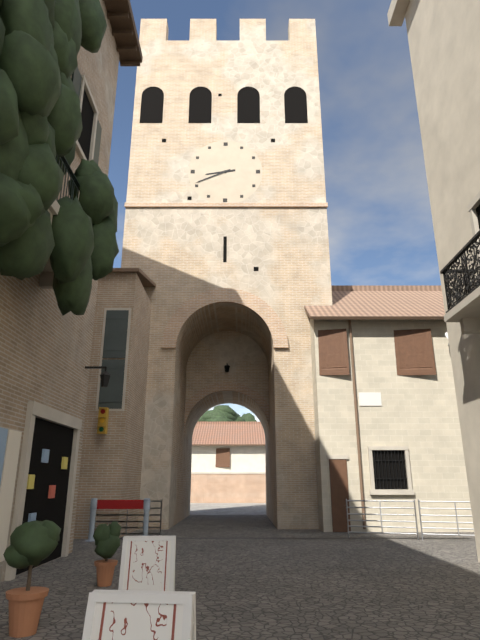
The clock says {"hour": 8, "minute": 41}
